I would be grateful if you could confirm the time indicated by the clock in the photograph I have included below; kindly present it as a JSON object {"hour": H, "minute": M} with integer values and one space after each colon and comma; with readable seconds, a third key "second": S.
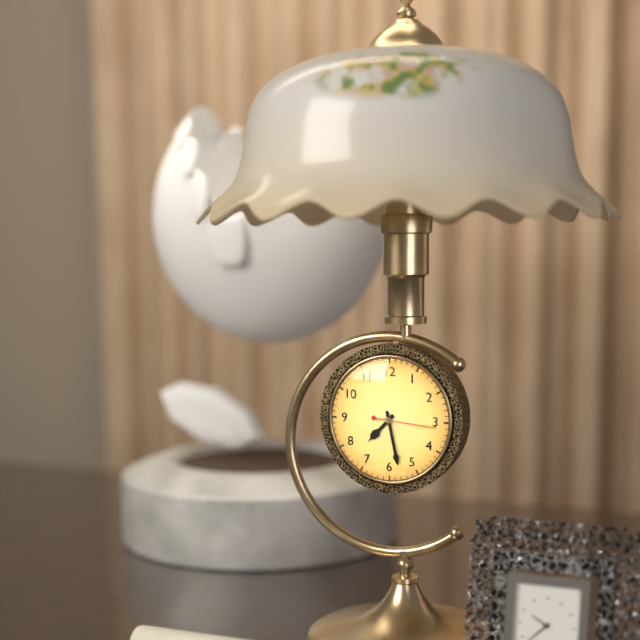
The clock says {"hour": 7, "minute": 28, "second": 16}
